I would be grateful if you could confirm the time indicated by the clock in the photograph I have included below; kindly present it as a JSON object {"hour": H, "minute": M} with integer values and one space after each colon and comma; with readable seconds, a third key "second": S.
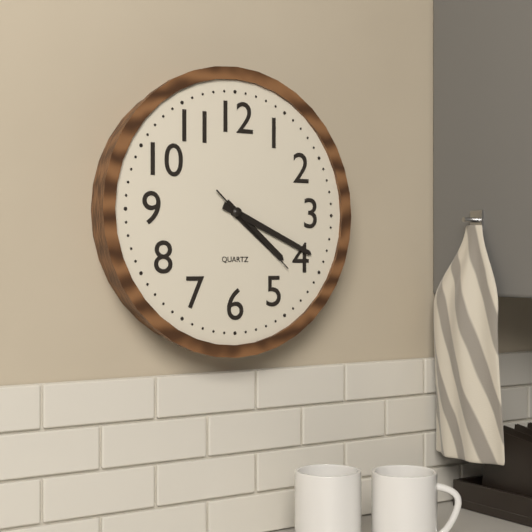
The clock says {"hour": 4, "minute": 19, "second": 22}
